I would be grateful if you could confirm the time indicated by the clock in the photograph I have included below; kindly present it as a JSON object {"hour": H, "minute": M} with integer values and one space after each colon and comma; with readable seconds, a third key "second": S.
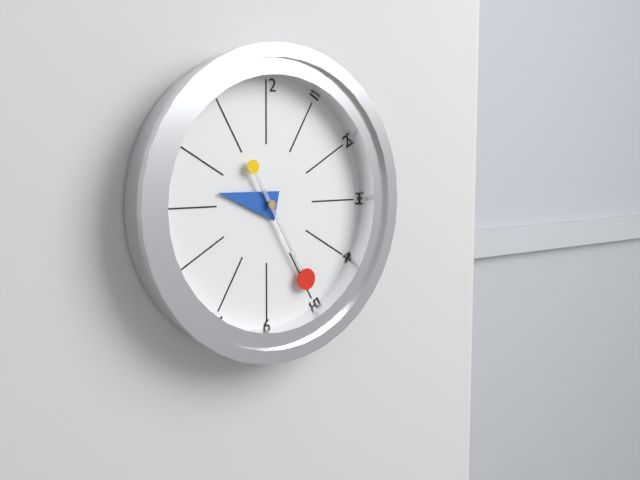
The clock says {"hour": 9, "minute": 25}
